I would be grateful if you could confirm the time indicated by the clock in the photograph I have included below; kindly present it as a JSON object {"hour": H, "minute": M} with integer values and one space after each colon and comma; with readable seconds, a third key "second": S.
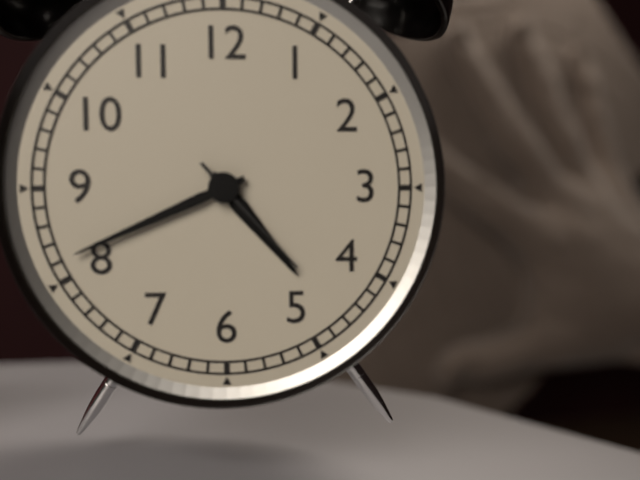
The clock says {"hour": 4, "minute": 41, "second": 23}
